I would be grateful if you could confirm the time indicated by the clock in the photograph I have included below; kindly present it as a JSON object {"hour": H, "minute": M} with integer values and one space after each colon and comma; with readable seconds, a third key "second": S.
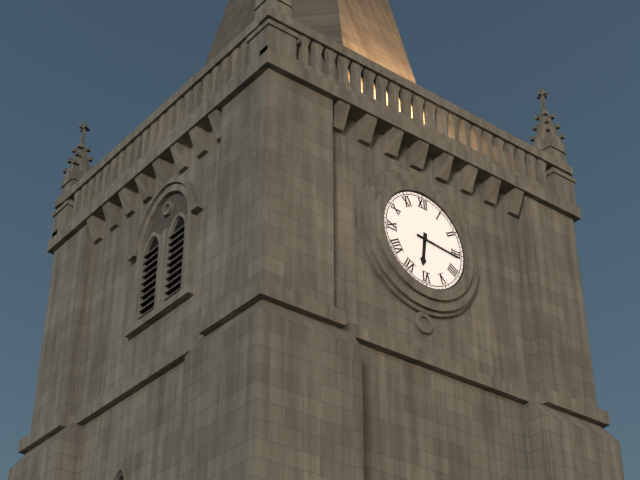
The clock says {"hour": 6, "minute": 16}
